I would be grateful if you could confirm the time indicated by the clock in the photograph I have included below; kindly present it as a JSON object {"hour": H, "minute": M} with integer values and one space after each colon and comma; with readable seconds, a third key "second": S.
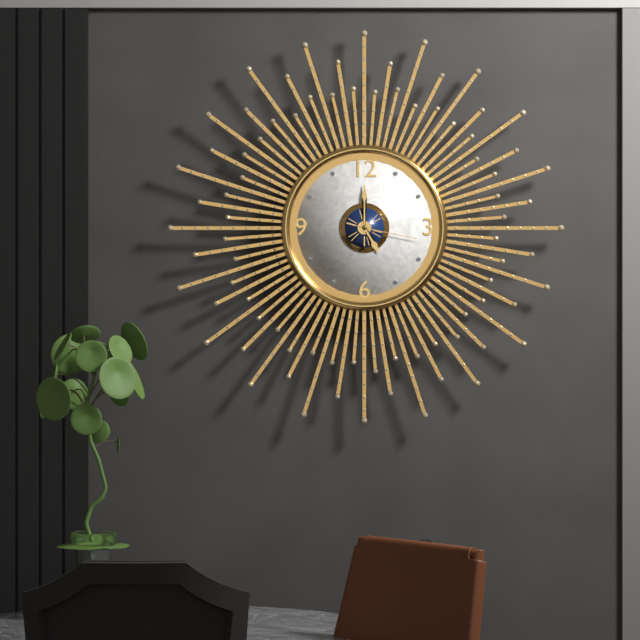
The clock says {"hour": 5, "minute": 0, "second": 17}
